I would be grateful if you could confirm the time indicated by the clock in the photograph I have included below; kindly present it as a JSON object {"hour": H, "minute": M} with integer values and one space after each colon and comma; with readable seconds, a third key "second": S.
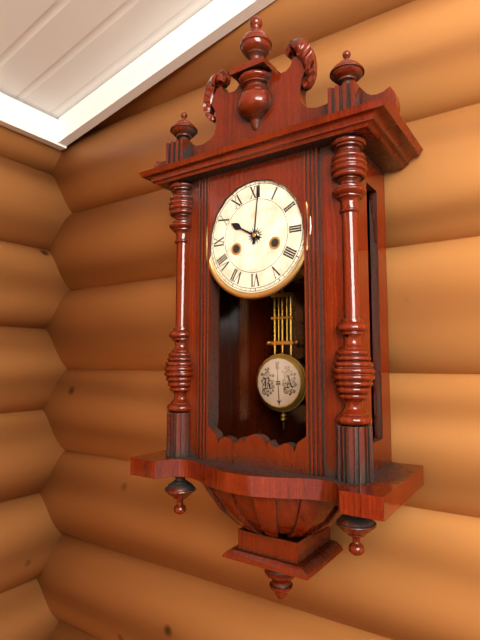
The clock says {"hour": 10, "minute": 1}
